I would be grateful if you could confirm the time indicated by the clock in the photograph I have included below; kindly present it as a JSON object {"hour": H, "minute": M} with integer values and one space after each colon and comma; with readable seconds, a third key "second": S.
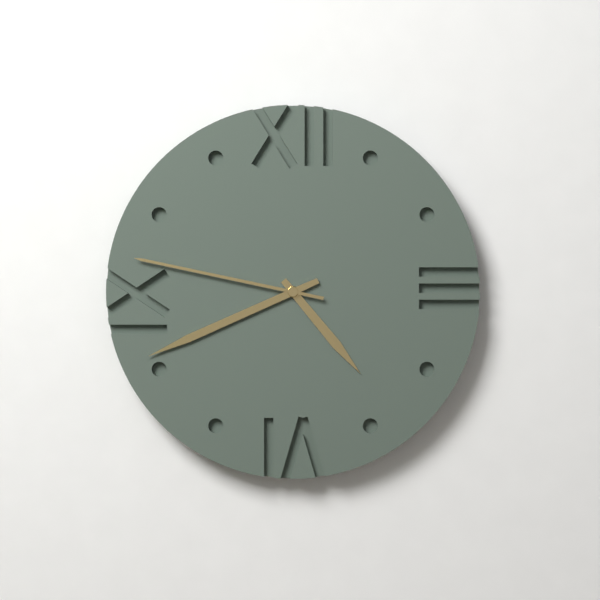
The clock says {"hour": 4, "minute": 41, "second": 47}
